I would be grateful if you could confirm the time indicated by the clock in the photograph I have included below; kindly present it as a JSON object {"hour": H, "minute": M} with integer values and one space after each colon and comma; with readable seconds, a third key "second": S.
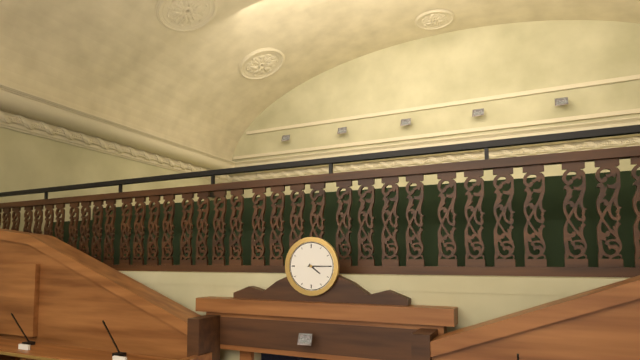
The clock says {"hour": 4, "minute": 15}
